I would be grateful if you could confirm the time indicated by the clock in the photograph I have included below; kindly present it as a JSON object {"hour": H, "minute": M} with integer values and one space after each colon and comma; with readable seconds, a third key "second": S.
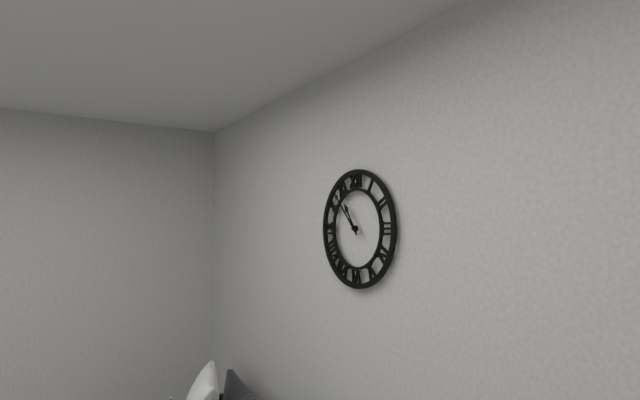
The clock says {"hour": 10, "minute": 53}
